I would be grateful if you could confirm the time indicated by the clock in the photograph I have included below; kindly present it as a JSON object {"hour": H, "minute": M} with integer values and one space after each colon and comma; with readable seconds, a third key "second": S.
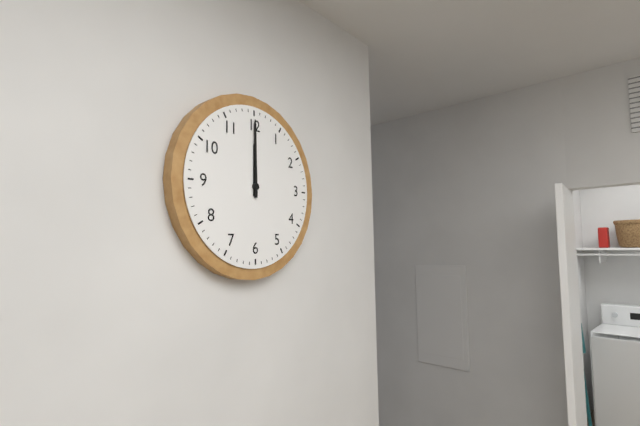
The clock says {"hour": 12, "minute": 0}
